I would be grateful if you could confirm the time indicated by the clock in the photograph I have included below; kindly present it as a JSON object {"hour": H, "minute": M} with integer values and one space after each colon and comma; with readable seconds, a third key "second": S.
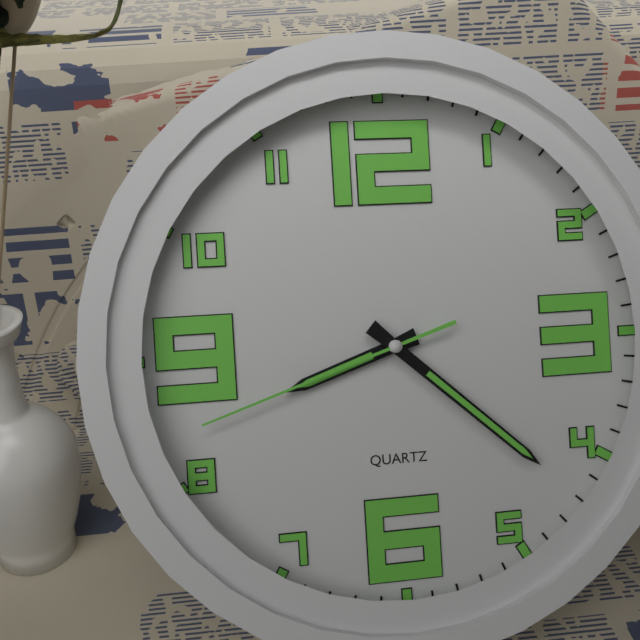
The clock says {"hour": 8, "minute": 22, "second": 42}
